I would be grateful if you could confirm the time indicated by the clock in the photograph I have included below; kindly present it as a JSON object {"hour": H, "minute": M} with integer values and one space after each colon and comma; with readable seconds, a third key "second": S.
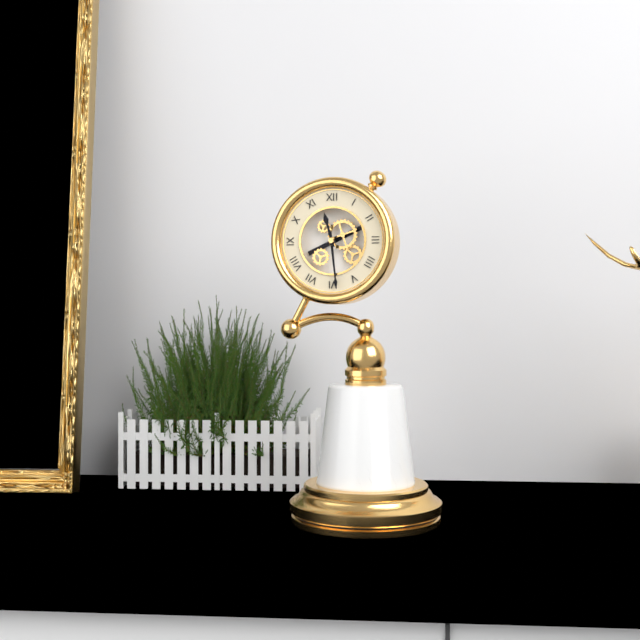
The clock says {"hour": 11, "minute": 29}
